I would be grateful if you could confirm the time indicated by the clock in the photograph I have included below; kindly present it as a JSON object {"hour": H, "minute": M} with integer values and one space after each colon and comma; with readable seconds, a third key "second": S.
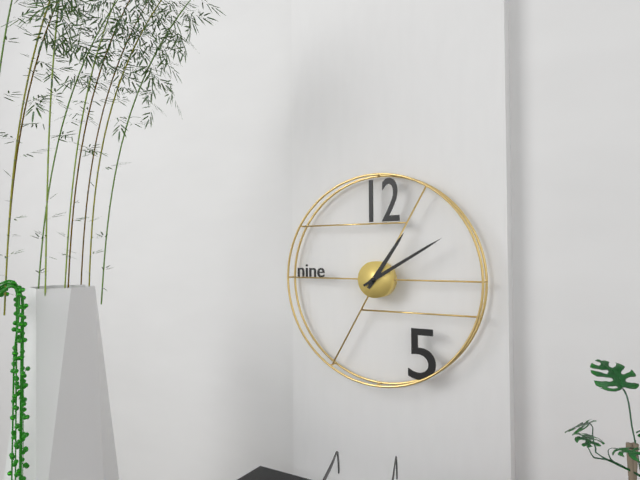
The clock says {"hour": 1, "minute": 10}
